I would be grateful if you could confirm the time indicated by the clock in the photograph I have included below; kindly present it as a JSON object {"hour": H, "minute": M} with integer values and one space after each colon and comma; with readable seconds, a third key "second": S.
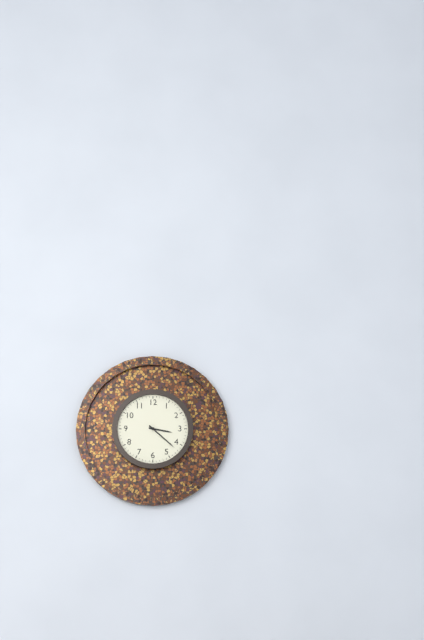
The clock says {"hour": 3, "minute": 22}
